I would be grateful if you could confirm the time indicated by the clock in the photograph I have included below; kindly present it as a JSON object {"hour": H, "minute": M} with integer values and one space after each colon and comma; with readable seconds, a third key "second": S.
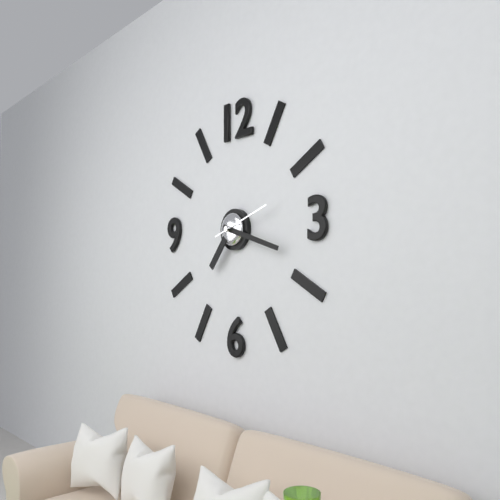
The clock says {"hour": 7, "minute": 18, "second": 12}
